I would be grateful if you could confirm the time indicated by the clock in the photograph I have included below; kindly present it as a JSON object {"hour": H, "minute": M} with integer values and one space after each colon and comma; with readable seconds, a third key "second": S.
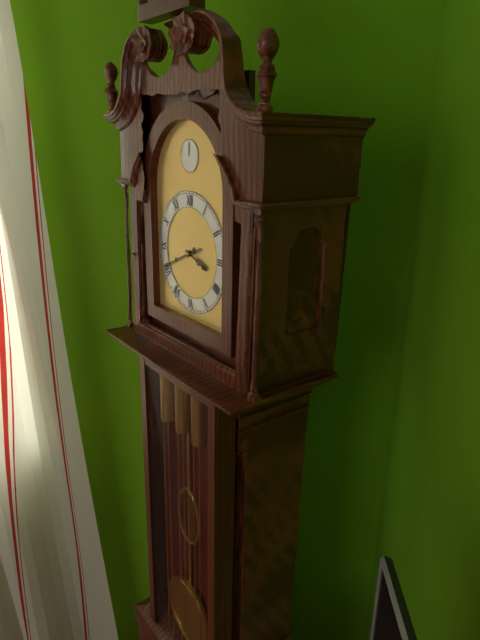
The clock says {"hour": 3, "minute": 41}
